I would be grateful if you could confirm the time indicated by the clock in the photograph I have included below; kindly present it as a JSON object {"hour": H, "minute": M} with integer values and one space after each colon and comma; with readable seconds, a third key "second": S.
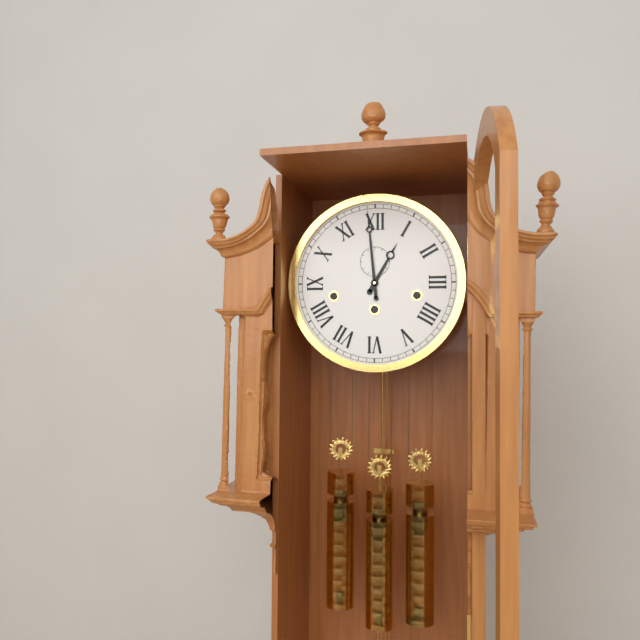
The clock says {"hour": 12, "minute": 59}
